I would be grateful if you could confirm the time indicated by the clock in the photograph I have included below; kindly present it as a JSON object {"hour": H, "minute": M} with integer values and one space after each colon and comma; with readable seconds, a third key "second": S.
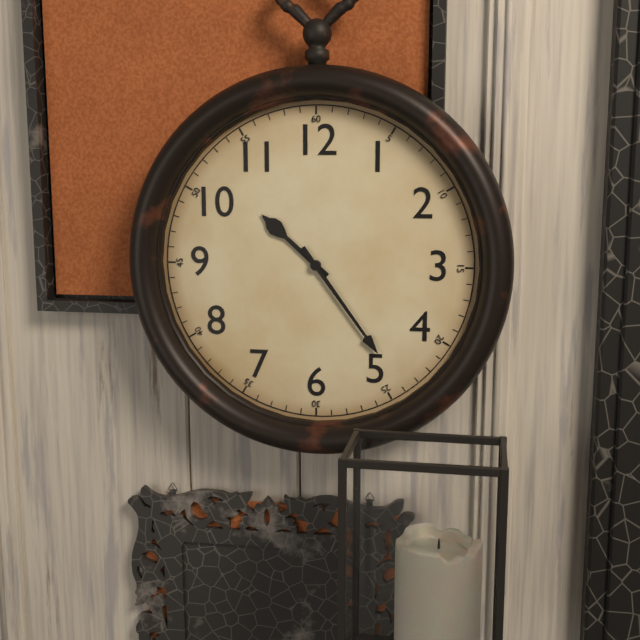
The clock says {"hour": 10, "minute": 24}
